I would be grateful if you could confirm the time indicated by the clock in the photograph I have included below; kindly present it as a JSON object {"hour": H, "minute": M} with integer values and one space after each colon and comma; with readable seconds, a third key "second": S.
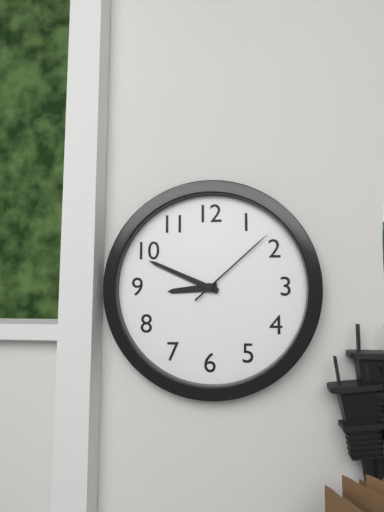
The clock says {"hour": 8, "minute": 49, "second": 8}
